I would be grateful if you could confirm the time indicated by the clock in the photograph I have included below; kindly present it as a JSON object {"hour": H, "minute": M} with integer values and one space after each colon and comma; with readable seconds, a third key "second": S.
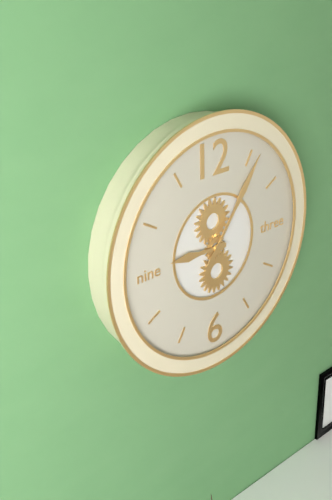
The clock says {"hour": 9, "minute": 6}
